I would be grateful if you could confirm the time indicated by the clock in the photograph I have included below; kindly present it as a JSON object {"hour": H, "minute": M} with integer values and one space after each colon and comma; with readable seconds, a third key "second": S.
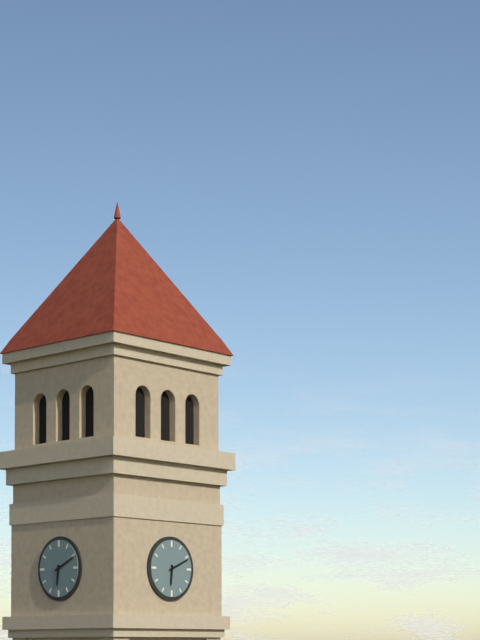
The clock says {"hour": 6, "minute": 11}
